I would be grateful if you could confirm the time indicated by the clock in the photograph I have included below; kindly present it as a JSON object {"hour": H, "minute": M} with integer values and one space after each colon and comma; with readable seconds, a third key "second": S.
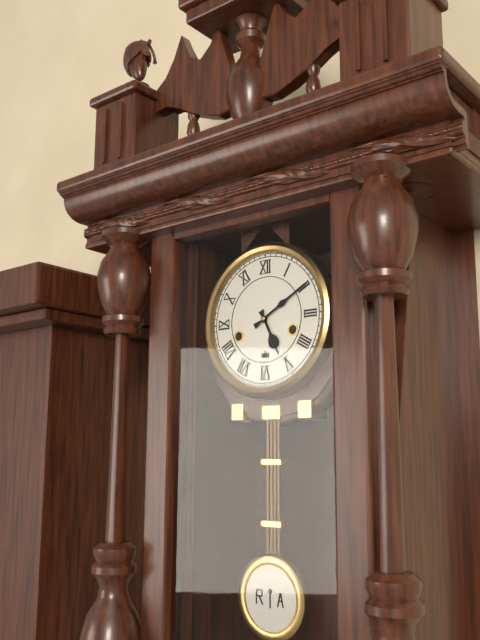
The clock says {"hour": 5, "minute": 10}
